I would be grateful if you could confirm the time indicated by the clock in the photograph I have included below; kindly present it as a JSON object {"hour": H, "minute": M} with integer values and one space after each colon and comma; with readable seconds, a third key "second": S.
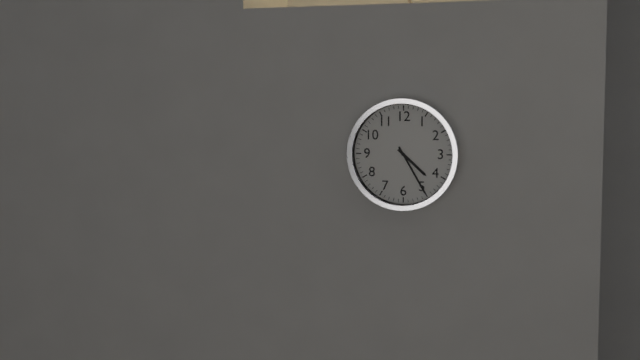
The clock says {"hour": 4, "minute": 25}
